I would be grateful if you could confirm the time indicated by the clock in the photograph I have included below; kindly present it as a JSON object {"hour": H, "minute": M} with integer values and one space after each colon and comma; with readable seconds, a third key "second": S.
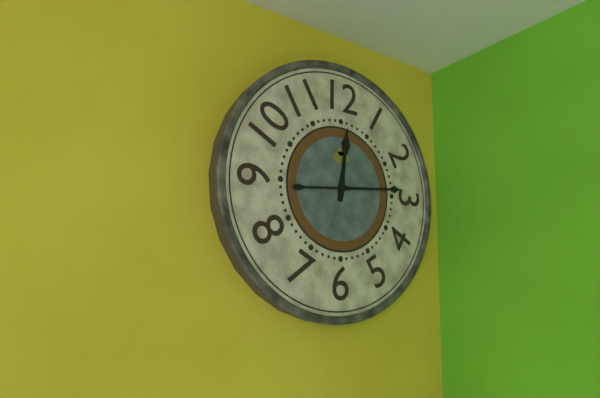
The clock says {"hour": 12, "minute": 14}
